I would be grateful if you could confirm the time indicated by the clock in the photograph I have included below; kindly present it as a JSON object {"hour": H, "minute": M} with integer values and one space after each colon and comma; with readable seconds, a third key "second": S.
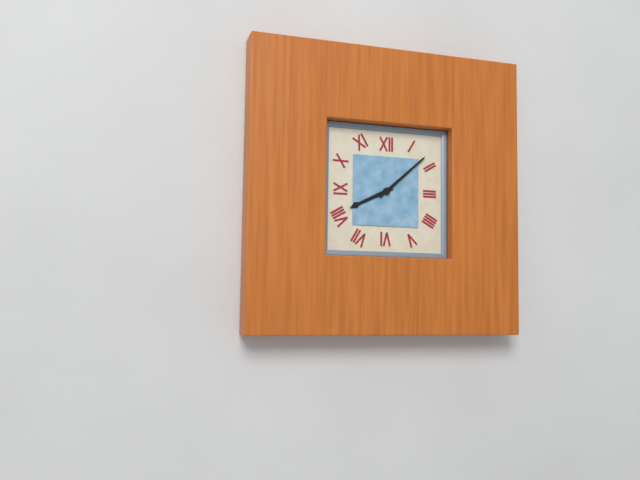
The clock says {"hour": 8, "minute": 8}
